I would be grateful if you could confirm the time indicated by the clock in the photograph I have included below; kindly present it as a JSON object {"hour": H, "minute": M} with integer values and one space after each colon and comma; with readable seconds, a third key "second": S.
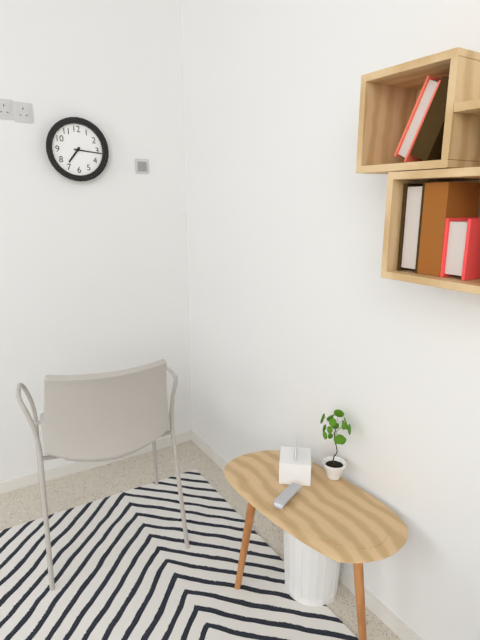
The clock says {"hour": 7, "minute": 16}
